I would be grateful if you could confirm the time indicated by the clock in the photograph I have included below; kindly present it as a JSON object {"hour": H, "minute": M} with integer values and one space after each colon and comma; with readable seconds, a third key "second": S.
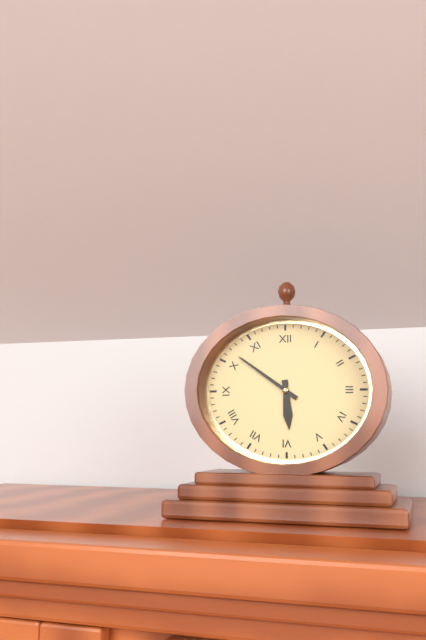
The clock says {"hour": 5, "minute": 51}
